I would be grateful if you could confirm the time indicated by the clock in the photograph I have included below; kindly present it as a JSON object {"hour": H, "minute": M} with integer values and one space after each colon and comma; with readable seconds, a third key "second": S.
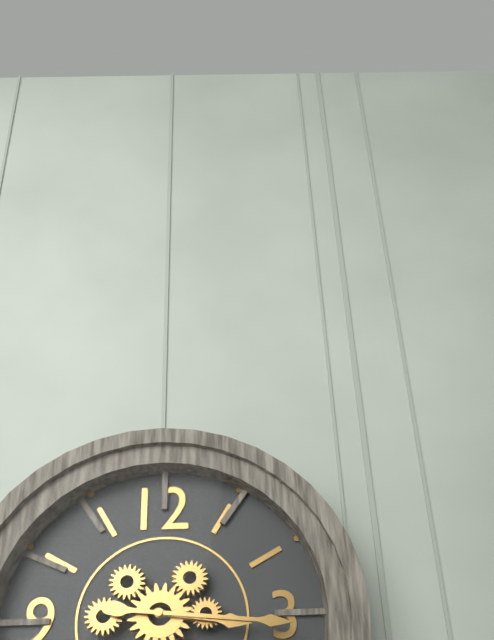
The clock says {"hour": 3, "minute": 16}
